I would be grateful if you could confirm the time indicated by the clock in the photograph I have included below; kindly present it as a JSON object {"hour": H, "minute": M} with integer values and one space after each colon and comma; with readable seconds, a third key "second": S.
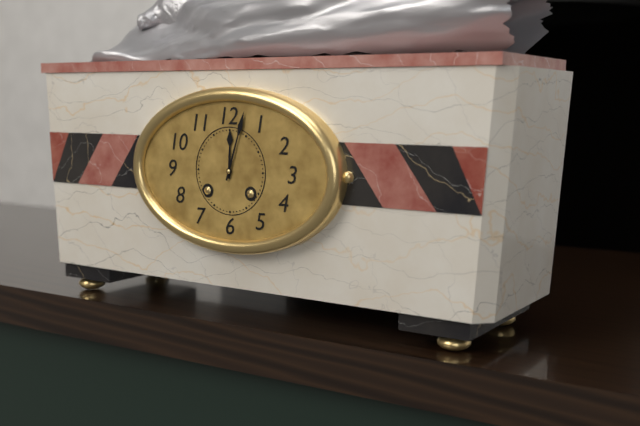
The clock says {"hour": 12, "minute": 3}
